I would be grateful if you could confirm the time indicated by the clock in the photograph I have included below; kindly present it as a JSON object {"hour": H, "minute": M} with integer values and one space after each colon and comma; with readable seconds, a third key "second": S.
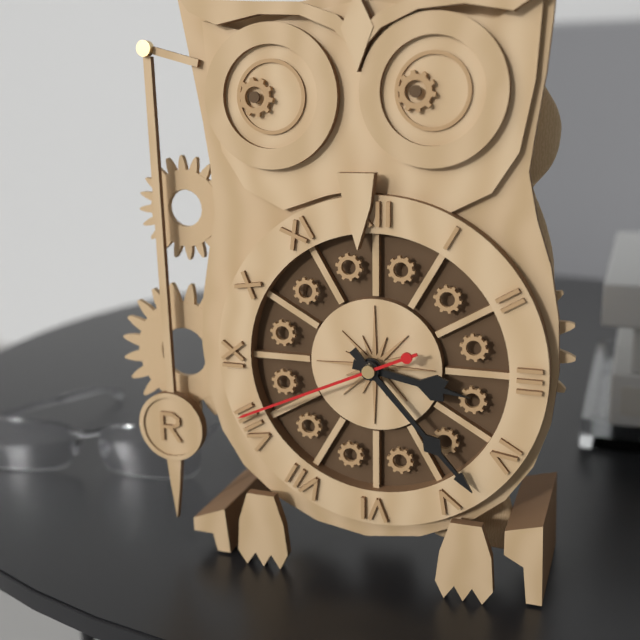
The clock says {"hour": 3, "minute": 23, "second": 41}
